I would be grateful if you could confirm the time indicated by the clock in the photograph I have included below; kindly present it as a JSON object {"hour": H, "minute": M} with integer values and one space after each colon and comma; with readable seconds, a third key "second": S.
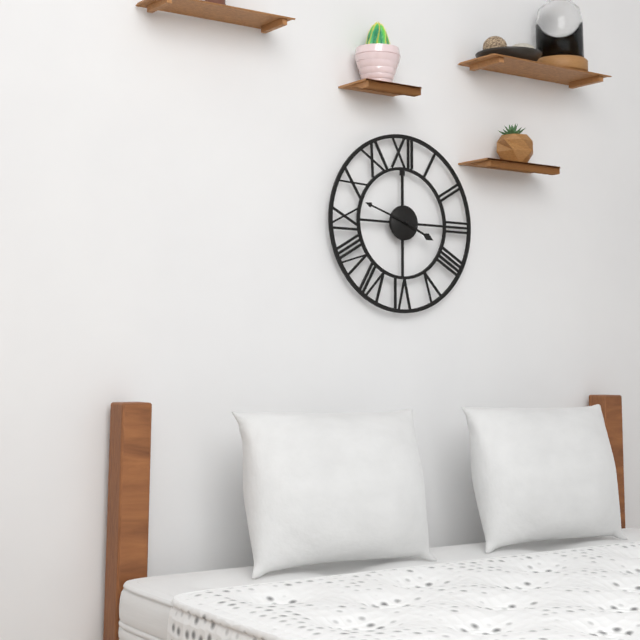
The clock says {"hour": 3, "minute": 48}
